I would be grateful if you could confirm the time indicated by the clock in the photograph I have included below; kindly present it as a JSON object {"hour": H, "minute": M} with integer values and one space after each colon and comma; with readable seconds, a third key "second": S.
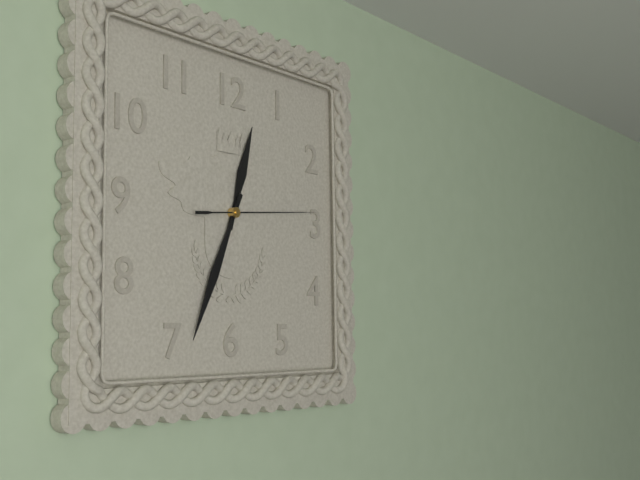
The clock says {"hour": 12, "minute": 34, "second": 14}
